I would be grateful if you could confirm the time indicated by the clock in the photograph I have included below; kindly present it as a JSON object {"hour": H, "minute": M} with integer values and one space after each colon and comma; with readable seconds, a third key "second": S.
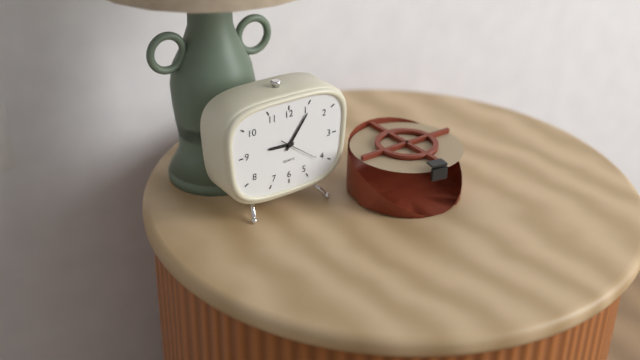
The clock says {"hour": 9, "minute": 6}
